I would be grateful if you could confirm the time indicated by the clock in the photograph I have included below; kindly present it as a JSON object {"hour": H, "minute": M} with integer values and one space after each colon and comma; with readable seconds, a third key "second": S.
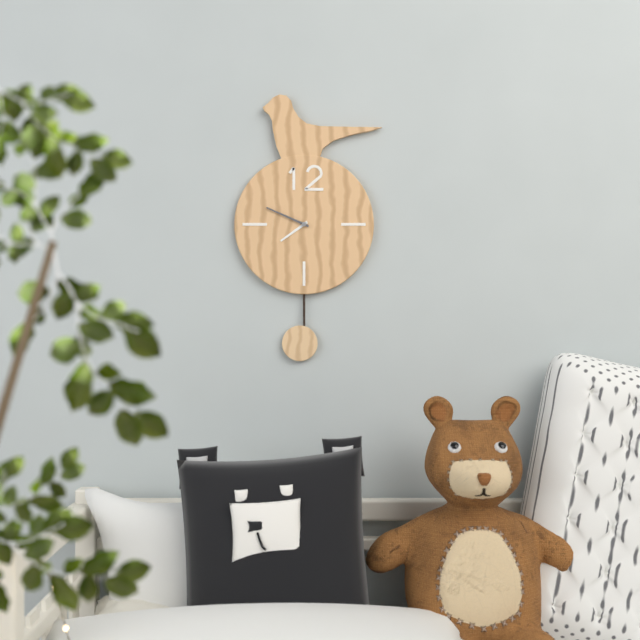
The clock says {"hour": 7, "minute": 49}
